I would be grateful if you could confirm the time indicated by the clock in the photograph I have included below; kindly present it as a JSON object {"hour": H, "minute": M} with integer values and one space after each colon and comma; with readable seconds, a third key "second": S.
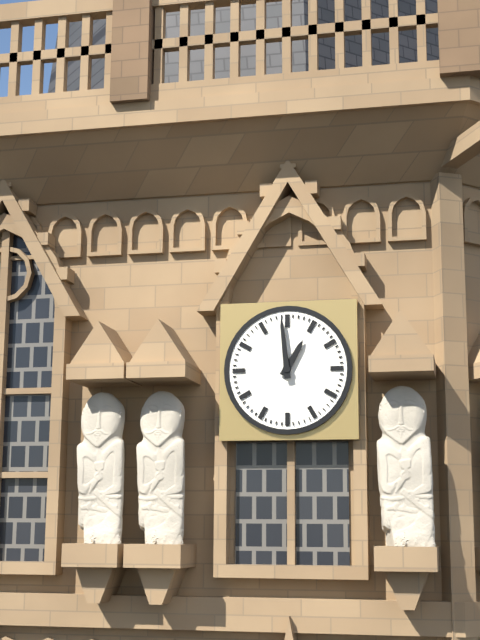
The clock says {"hour": 12, "minute": 59}
